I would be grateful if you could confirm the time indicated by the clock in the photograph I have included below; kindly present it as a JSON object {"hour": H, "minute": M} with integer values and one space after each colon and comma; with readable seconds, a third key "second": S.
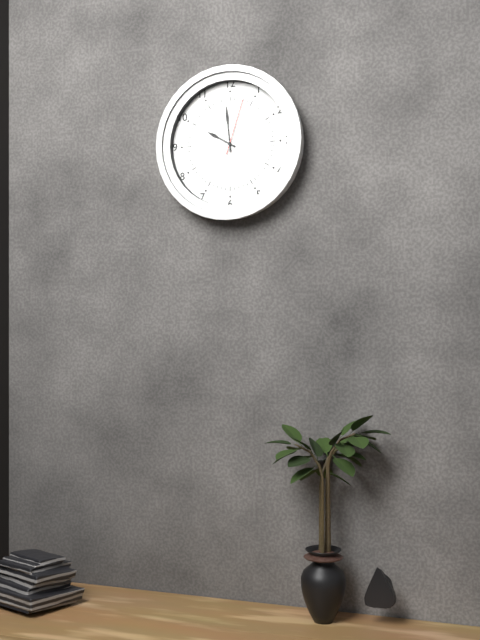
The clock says {"hour": 9, "minute": 59, "second": 3}
